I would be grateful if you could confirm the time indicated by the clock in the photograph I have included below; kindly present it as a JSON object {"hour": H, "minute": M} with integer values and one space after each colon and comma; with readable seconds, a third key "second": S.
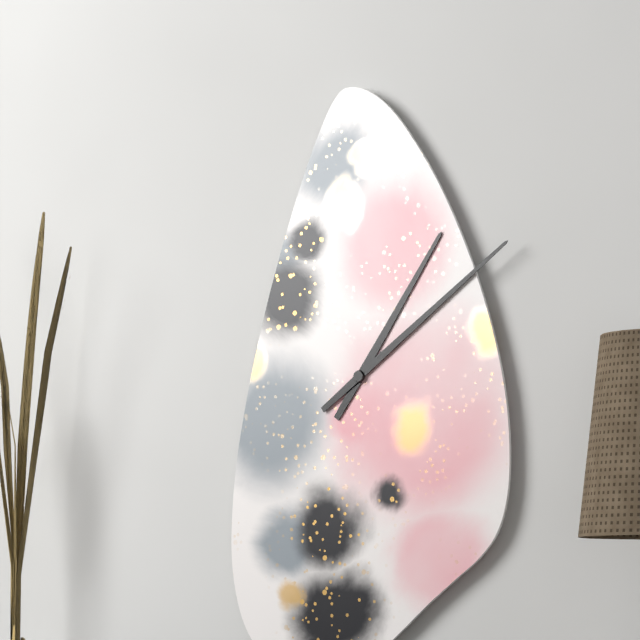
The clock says {"hour": 1, "minute": 9}
